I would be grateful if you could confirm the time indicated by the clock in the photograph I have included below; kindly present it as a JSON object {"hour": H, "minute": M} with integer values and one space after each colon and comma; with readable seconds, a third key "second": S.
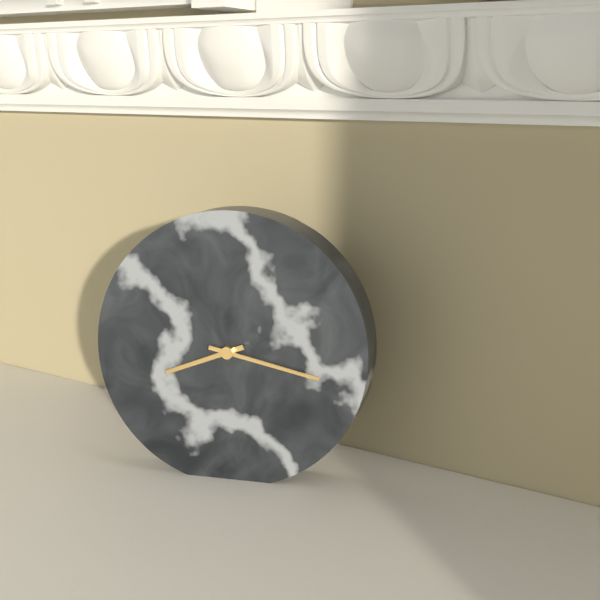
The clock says {"hour": 8, "minute": 17}
